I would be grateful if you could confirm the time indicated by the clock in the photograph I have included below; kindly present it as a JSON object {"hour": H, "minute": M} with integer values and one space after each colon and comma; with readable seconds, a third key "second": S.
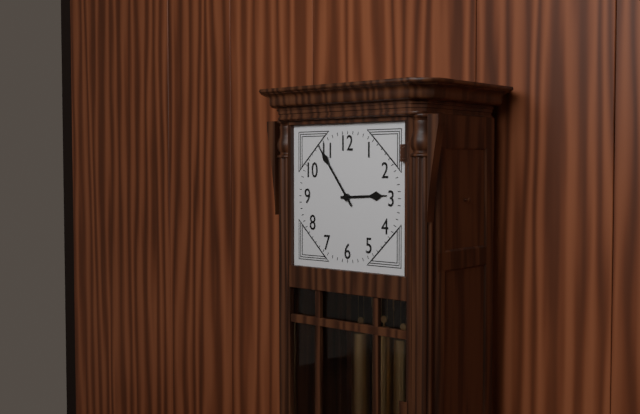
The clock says {"hour": 2, "minute": 54}
